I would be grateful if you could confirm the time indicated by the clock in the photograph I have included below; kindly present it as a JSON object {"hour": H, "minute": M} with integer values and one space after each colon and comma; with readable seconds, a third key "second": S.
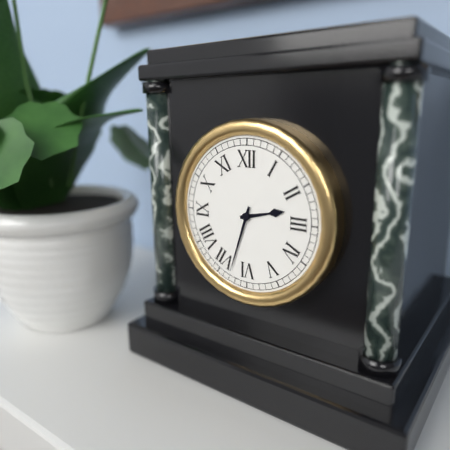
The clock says {"hour": 2, "minute": 33}
